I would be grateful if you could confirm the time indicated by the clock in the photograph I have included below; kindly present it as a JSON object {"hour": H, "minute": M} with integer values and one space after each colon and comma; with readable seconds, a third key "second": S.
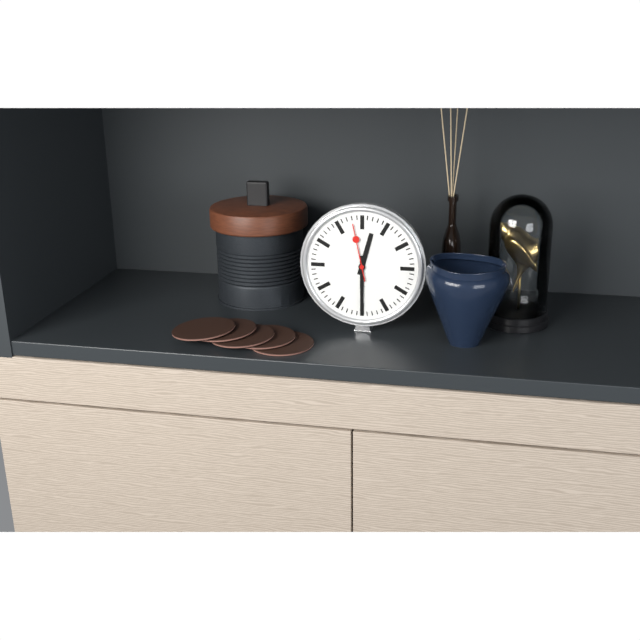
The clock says {"hour": 12, "minute": 30, "second": 58}
